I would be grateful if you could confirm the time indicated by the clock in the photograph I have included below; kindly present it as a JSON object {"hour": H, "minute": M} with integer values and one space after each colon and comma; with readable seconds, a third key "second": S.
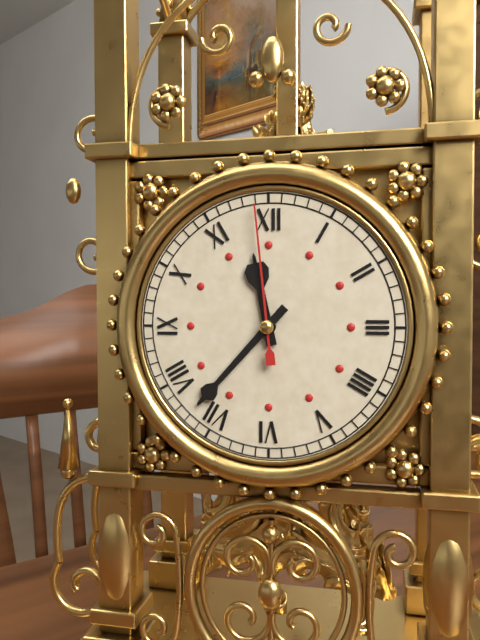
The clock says {"hour": 11, "minute": 37, "second": 59}
